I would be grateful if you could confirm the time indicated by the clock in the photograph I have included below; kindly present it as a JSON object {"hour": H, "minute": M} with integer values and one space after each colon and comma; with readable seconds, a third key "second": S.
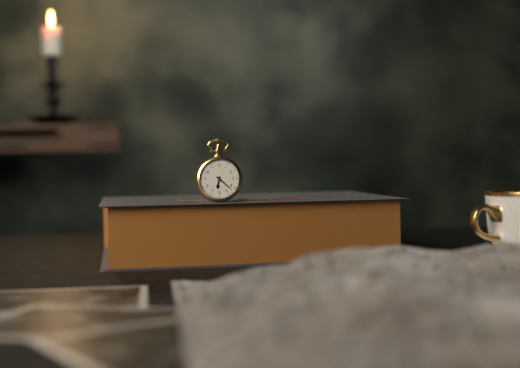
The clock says {"hour": 6, "minute": 22}
